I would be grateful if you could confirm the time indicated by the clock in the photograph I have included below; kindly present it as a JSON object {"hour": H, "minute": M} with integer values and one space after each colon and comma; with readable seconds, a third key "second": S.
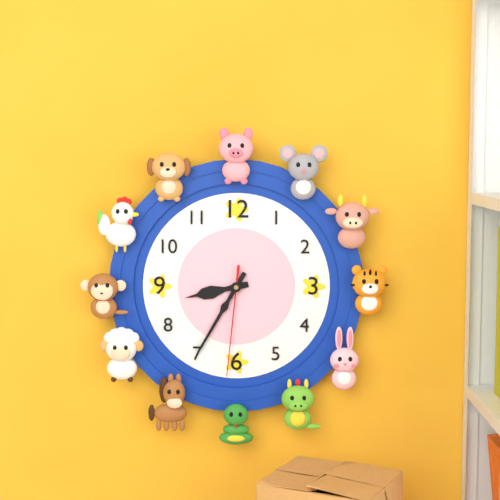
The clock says {"hour": 8, "minute": 35, "second": 31}
